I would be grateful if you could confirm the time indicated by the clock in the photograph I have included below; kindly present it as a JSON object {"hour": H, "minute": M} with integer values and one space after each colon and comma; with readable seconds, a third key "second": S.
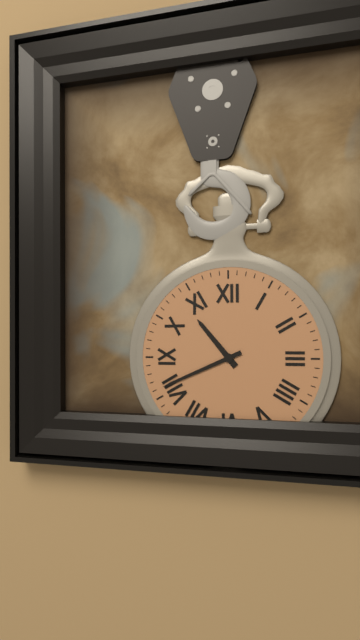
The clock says {"hour": 10, "minute": 41}
